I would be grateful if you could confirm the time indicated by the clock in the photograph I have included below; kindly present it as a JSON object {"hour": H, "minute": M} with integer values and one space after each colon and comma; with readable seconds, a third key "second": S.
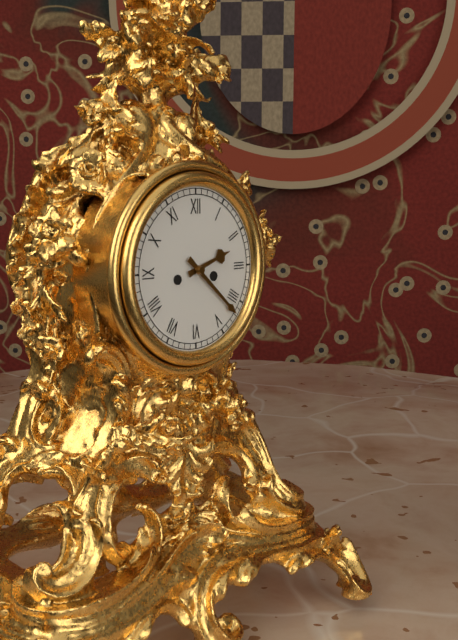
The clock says {"hour": 2, "minute": 22}
